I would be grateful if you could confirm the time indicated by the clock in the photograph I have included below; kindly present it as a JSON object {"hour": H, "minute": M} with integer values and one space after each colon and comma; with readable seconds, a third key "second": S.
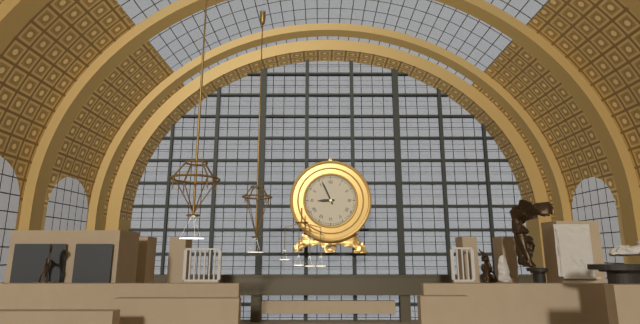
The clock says {"hour": 8, "minute": 56}
